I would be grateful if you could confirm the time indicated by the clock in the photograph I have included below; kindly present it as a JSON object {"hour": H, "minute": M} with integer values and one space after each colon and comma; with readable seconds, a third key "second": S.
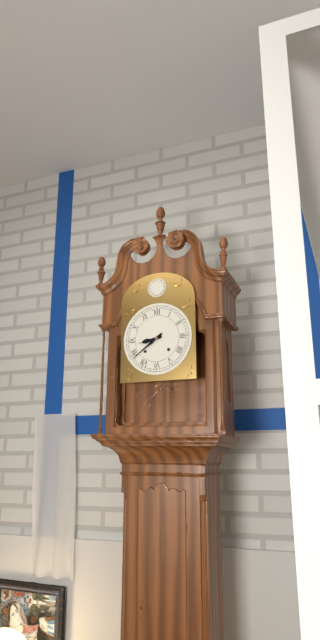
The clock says {"hour": 8, "minute": 39}
